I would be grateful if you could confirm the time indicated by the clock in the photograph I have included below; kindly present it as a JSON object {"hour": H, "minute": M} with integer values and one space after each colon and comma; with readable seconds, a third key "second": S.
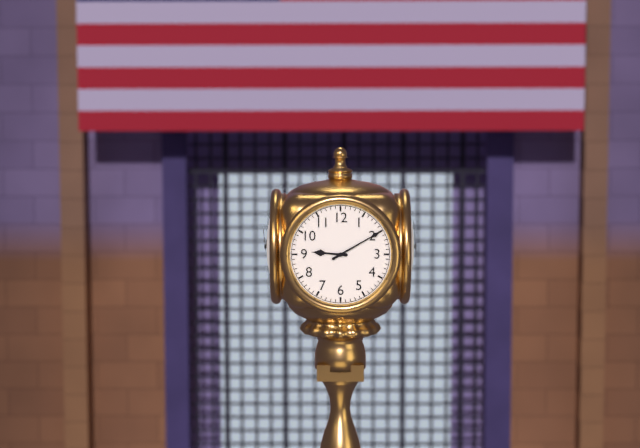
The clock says {"hour": 9, "minute": 10}
